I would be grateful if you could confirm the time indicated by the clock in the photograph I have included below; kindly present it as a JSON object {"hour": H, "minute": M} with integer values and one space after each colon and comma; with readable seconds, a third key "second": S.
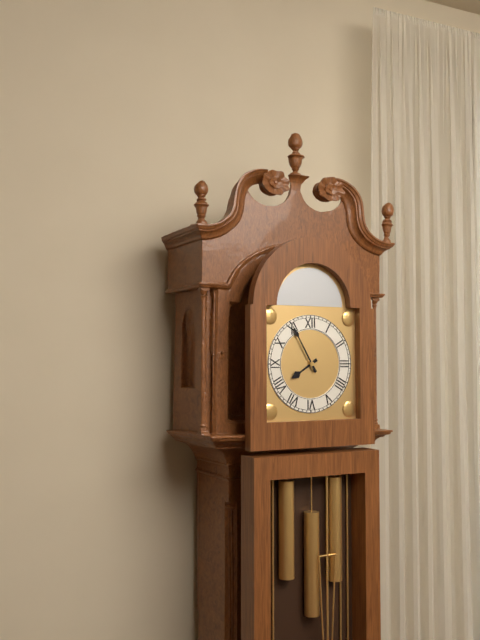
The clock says {"hour": 7, "minute": 55}
